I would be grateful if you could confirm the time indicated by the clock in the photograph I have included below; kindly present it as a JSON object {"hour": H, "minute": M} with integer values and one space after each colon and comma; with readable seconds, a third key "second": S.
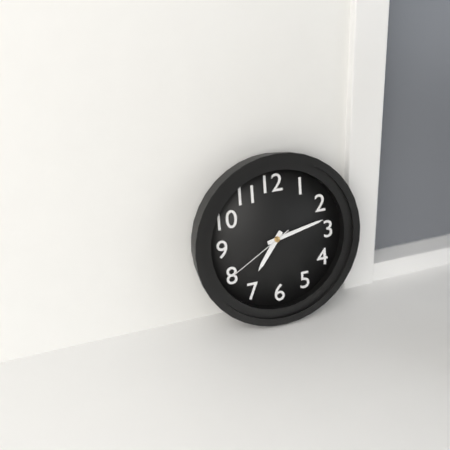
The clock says {"hour": 7, "minute": 13, "second": 40}
